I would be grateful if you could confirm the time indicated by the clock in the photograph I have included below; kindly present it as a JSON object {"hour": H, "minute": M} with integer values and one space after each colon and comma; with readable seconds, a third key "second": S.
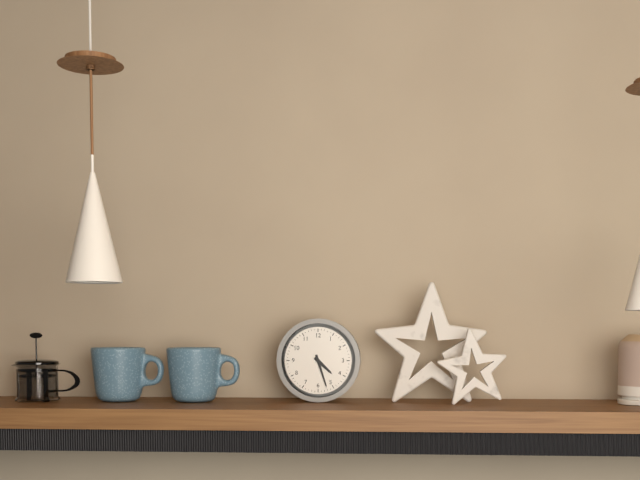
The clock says {"hour": 4, "minute": 27}
